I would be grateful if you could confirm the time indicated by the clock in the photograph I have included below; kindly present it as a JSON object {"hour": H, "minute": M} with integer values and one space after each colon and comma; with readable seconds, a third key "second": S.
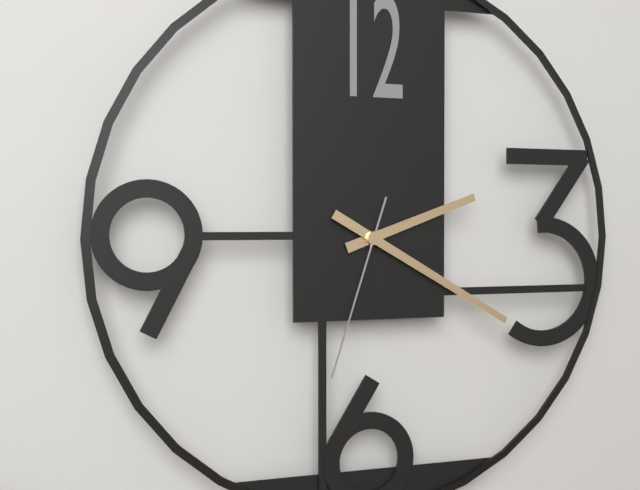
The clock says {"hour": 2, "minute": 20, "second": 33}
